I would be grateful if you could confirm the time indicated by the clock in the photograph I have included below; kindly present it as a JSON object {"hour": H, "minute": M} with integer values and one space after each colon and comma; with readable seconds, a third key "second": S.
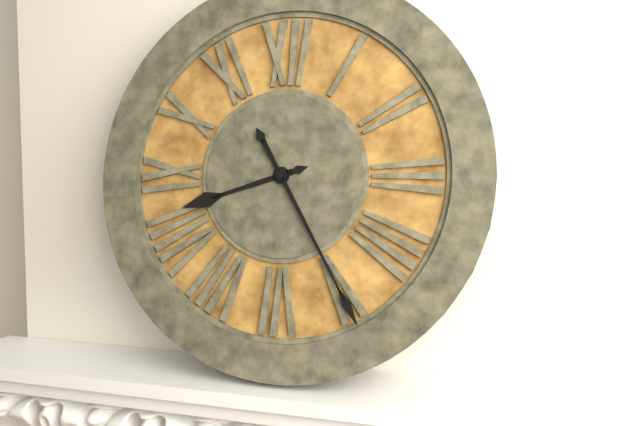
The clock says {"hour": 8, "minute": 25}
